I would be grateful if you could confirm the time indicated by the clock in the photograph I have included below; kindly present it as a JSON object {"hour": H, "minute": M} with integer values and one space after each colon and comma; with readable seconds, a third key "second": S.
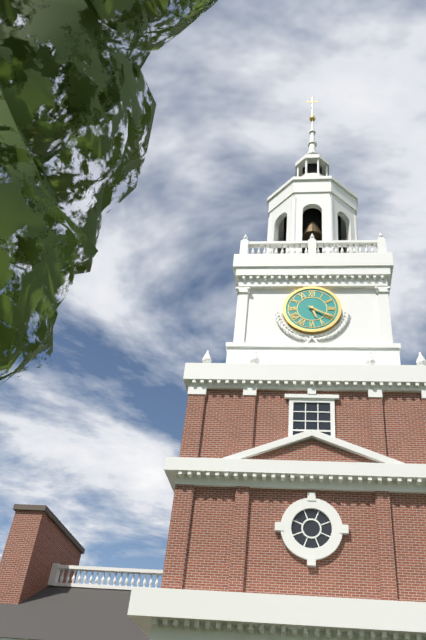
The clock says {"hour": 5, "minute": 20}
